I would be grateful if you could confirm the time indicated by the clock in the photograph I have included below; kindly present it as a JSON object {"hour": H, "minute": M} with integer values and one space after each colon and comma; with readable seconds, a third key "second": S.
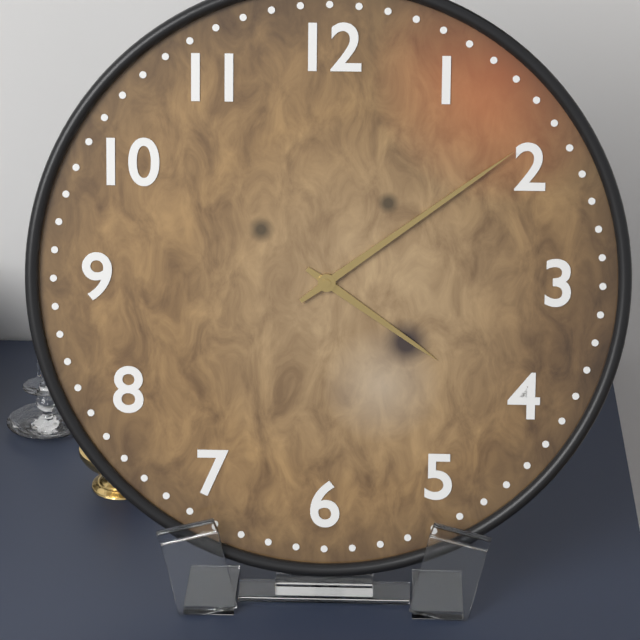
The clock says {"hour": 4, "minute": 9}
